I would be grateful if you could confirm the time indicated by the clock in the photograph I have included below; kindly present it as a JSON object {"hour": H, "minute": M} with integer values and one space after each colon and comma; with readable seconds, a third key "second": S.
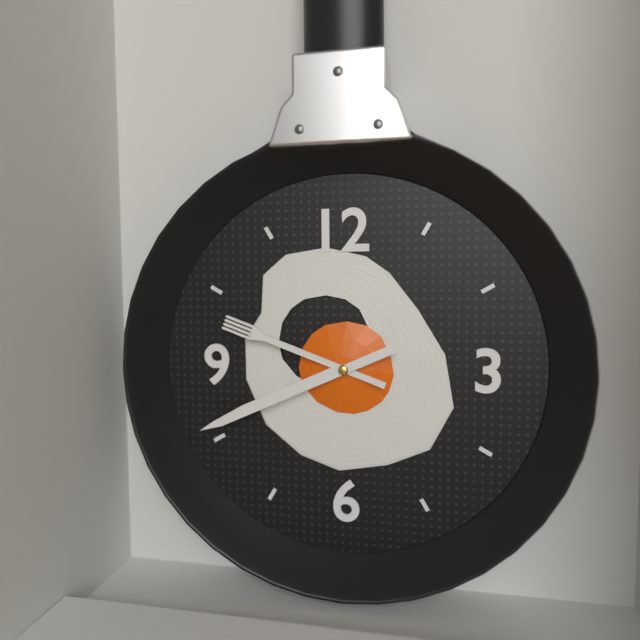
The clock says {"hour": 9, "minute": 41}
